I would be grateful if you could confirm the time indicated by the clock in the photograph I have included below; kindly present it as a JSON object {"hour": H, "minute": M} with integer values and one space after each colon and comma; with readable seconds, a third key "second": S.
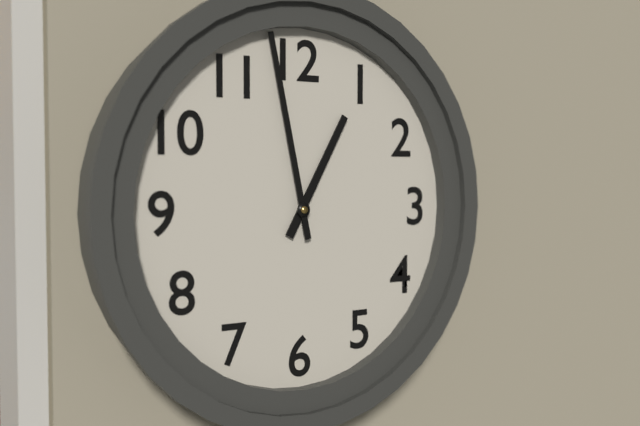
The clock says {"hour": 12, "minute": 58}
